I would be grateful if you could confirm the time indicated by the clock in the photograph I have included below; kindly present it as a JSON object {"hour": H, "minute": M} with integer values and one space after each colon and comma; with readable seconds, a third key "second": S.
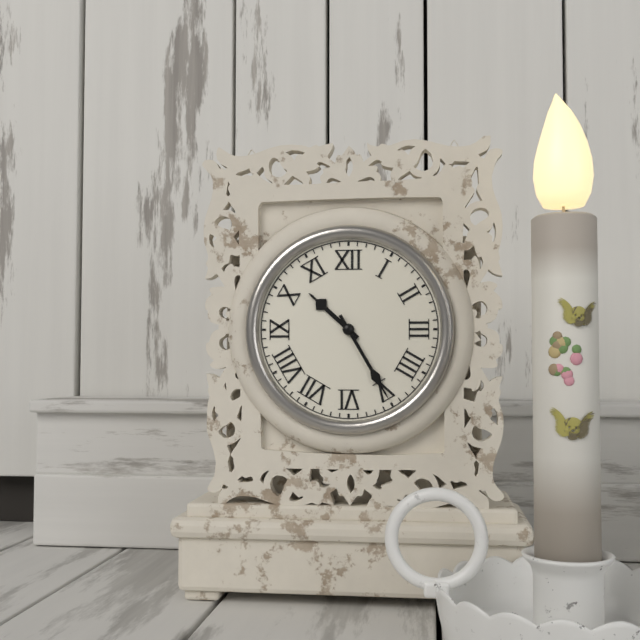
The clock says {"hour": 10, "minute": 25}
